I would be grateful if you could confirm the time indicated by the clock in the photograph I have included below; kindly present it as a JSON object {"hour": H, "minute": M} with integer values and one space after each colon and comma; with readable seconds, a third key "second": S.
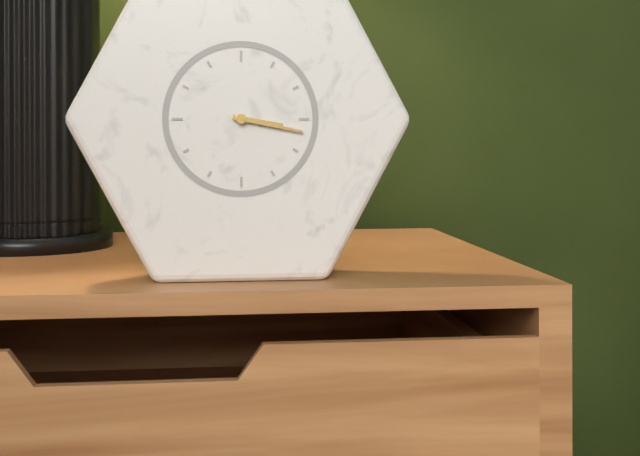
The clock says {"hour": 3, "minute": 17}
